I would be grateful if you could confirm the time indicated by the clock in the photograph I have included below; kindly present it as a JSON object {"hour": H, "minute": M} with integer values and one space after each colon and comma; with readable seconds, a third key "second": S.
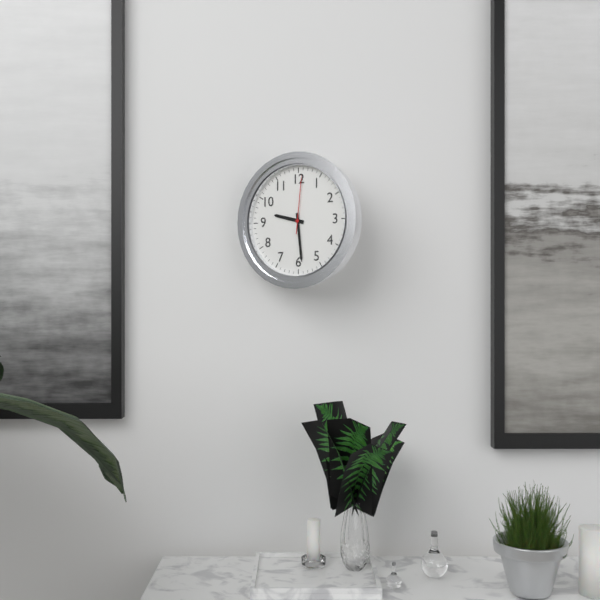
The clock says {"hour": 9, "minute": 29, "second": 1}
